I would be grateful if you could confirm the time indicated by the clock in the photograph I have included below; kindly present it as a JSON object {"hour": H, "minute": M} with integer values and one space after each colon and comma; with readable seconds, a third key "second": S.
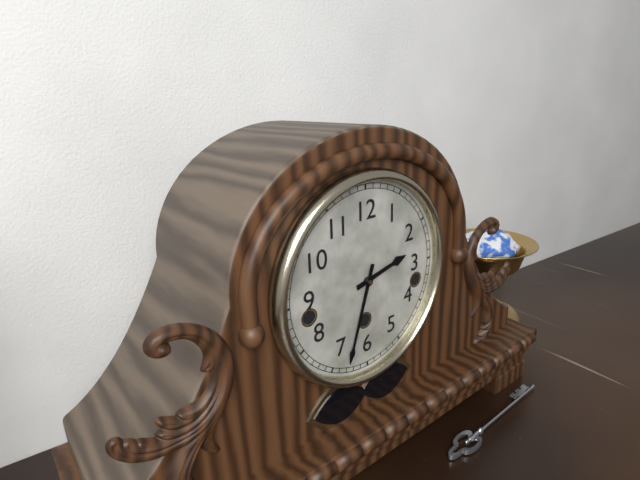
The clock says {"hour": 2, "minute": 33}
